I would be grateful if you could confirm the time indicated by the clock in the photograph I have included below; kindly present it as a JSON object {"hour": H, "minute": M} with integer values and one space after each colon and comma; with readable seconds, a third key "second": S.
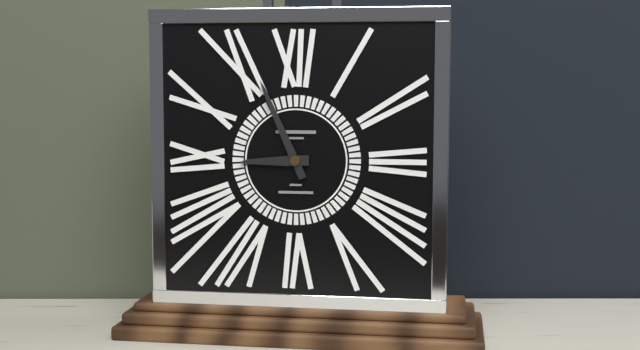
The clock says {"hour": 8, "minute": 56}
